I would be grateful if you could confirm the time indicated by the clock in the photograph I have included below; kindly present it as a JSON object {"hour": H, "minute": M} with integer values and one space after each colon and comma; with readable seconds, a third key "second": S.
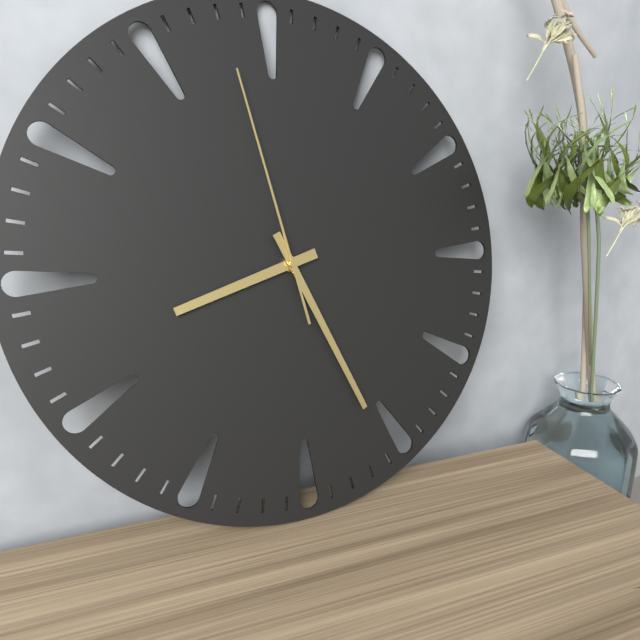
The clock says {"hour": 8, "minute": 26, "second": 58}
